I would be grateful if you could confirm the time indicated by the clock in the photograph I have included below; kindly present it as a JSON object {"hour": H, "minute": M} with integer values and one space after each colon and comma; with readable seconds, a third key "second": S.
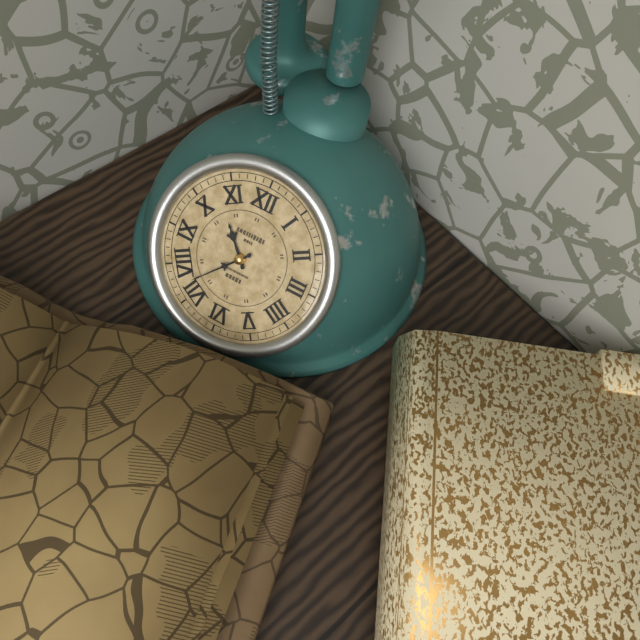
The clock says {"hour": 10, "minute": 37}
